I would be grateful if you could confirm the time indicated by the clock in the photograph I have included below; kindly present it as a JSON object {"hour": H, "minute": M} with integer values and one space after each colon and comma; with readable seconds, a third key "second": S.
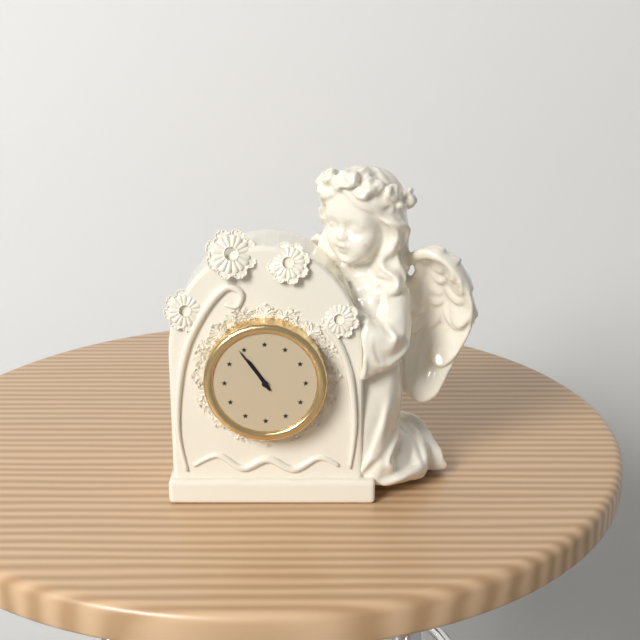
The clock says {"hour": 10, "minute": 54}
